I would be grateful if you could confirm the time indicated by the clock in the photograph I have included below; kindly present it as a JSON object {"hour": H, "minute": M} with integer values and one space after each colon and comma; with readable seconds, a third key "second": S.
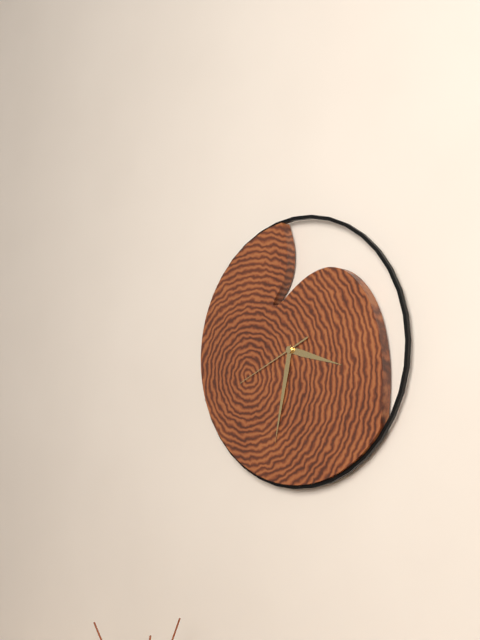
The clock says {"hour": 3, "minute": 32, "second": 41}
